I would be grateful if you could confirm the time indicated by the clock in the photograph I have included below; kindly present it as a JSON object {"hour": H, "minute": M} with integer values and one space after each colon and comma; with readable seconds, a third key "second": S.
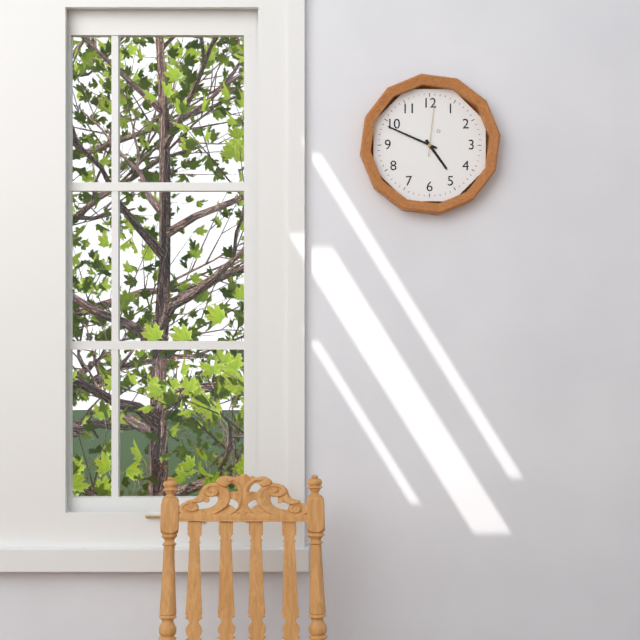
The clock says {"hour": 4, "minute": 49, "second": 1}
